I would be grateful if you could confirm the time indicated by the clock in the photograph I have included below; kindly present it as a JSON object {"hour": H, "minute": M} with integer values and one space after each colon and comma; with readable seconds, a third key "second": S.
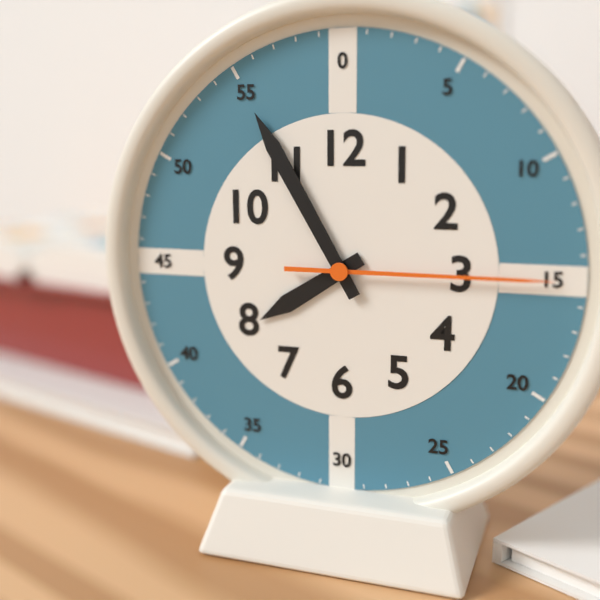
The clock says {"hour": 7, "minute": 55, "second": 15}
